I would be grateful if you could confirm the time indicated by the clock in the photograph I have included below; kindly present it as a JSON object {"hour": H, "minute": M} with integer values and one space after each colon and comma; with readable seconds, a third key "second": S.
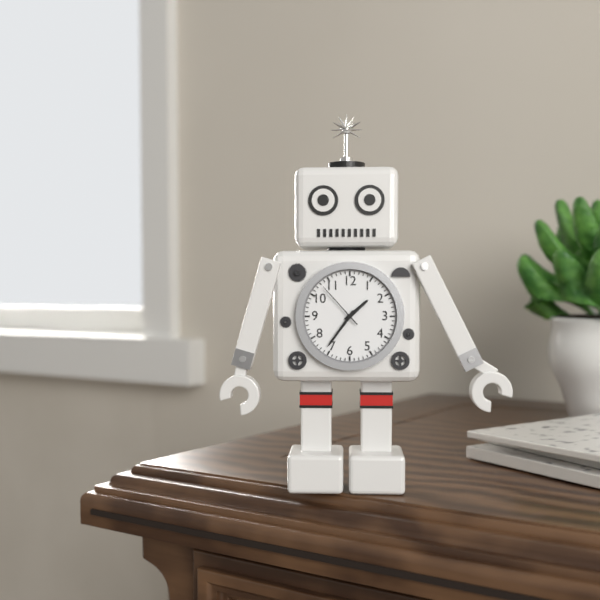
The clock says {"hour": 1, "minute": 36, "second": 53}
